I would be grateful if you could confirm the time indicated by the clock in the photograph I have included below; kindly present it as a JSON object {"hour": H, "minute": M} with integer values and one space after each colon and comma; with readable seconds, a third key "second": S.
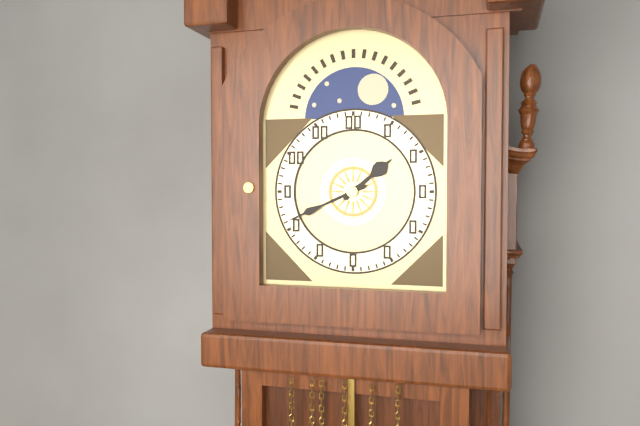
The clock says {"hour": 1, "minute": 41}
